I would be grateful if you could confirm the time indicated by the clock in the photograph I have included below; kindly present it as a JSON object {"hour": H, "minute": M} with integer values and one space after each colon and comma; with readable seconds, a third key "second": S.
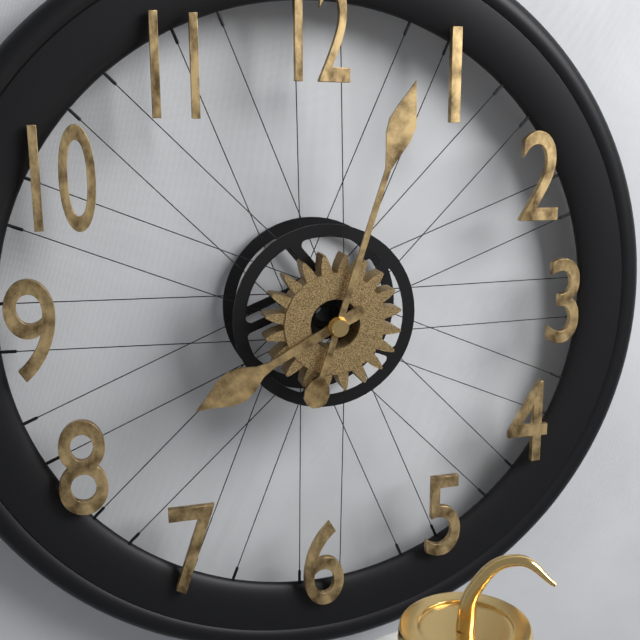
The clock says {"hour": 8, "minute": 3}
